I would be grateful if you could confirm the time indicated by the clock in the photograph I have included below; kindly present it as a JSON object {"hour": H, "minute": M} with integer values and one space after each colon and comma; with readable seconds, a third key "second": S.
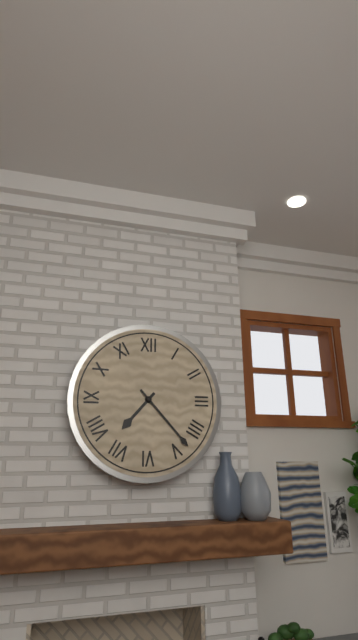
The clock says {"hour": 7, "minute": 23}
